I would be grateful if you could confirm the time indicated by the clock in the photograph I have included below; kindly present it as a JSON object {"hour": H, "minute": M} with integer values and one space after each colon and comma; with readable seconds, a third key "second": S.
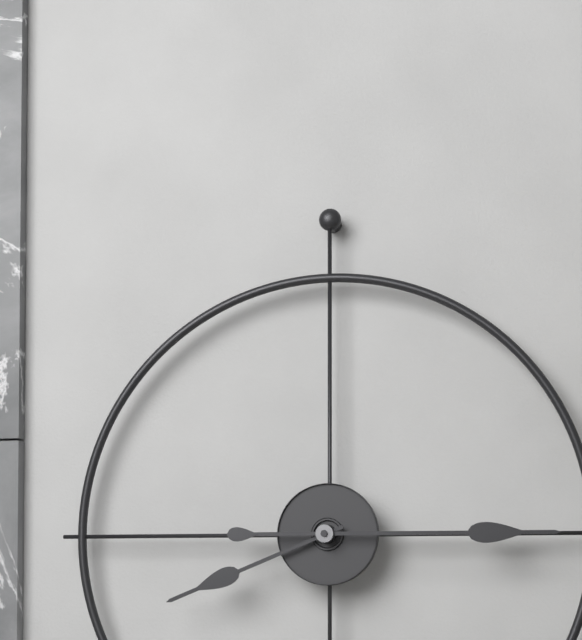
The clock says {"hour": 8, "minute": 15}
